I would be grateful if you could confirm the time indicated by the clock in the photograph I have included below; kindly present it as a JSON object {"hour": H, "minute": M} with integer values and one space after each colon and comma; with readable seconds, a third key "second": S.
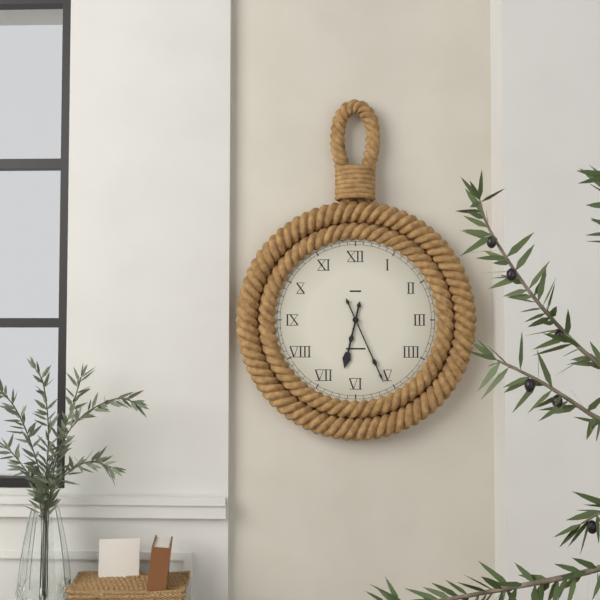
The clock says {"hour": 6, "minute": 26}
